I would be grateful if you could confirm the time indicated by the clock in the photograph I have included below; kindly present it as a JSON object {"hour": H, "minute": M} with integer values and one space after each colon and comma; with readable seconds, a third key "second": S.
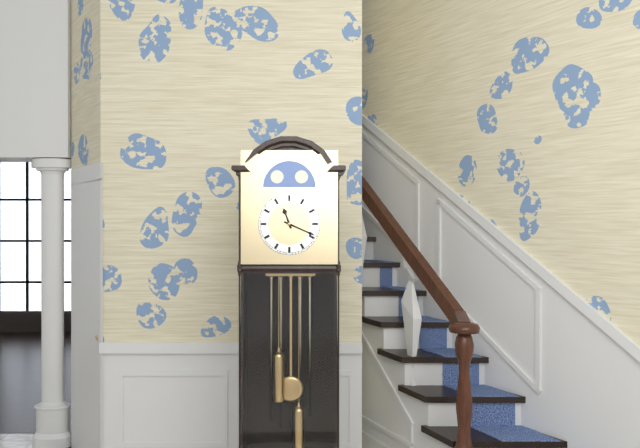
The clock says {"hour": 11, "minute": 19}
